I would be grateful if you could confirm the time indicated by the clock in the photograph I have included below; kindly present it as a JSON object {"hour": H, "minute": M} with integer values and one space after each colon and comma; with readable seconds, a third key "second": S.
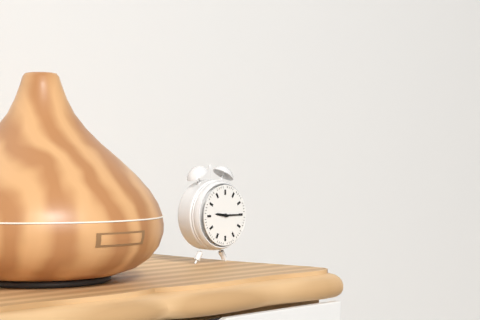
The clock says {"hour": 9, "minute": 15}
